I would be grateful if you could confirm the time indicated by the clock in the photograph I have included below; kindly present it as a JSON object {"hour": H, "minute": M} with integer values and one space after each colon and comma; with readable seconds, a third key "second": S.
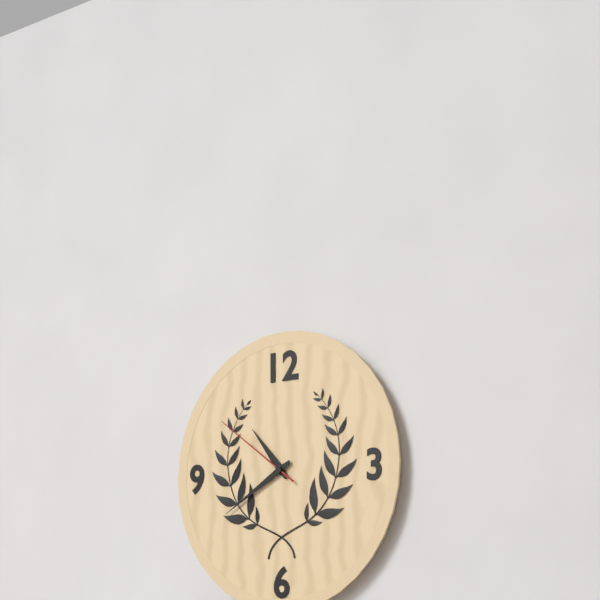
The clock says {"hour": 10, "minute": 40, "second": 51}
